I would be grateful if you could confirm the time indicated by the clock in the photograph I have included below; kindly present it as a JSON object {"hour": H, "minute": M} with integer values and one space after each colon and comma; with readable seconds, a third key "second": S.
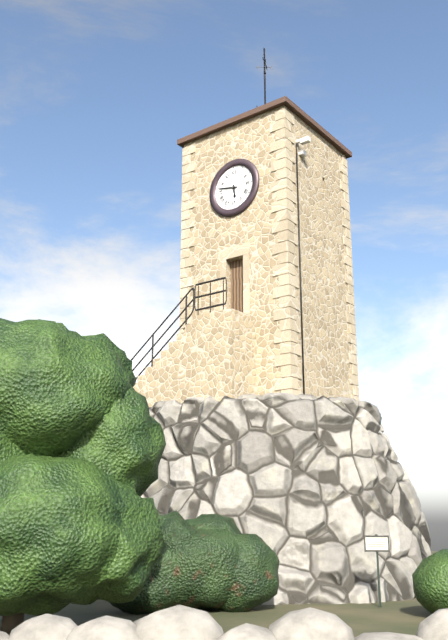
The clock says {"hour": 5, "minute": 47}
